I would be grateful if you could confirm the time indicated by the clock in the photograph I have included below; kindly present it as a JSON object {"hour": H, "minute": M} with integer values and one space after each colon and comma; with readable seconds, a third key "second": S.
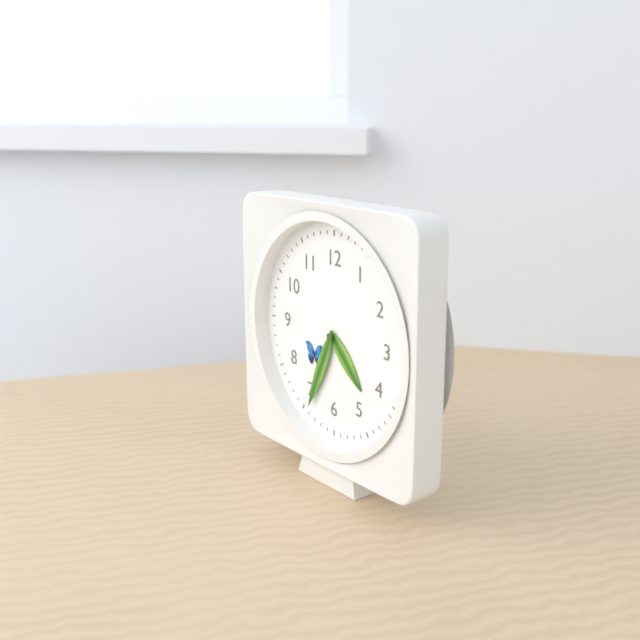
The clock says {"hour": 4, "minute": 34}
